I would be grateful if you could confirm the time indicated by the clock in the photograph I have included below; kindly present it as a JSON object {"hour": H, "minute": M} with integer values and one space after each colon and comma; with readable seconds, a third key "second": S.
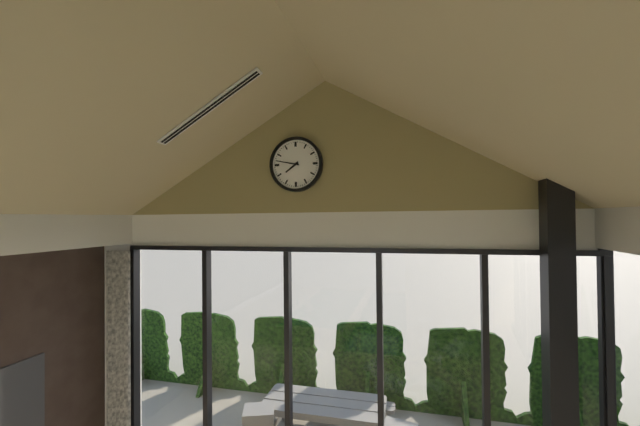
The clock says {"hour": 7, "minute": 47}
